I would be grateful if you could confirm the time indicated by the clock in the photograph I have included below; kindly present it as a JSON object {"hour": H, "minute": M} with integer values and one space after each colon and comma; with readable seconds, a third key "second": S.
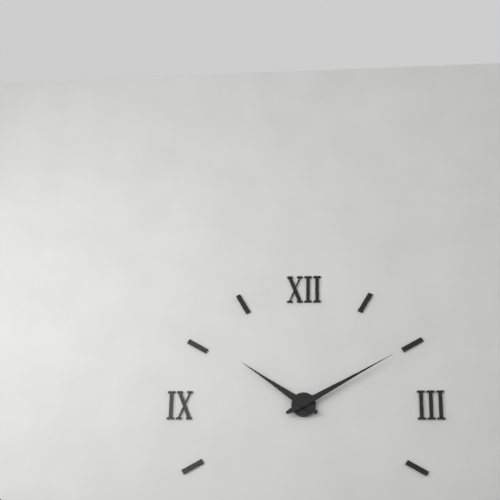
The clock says {"hour": 10, "minute": 10}
